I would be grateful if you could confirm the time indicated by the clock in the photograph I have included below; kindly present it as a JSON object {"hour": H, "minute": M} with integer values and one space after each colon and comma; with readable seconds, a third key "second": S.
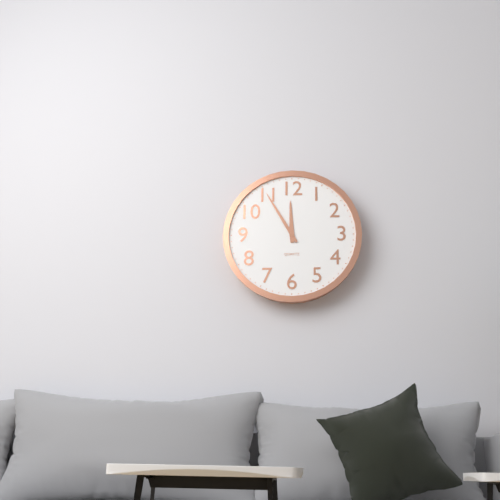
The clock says {"hour": 11, "minute": 55}
